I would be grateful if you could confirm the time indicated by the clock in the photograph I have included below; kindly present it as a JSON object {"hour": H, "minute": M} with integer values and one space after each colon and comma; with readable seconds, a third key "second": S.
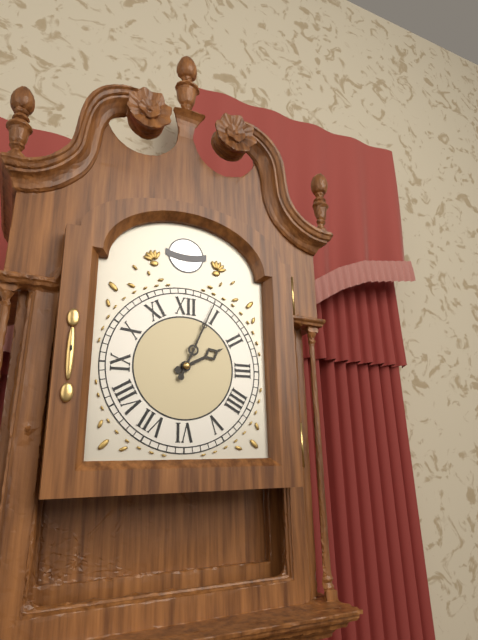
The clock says {"hour": 2, "minute": 4}
